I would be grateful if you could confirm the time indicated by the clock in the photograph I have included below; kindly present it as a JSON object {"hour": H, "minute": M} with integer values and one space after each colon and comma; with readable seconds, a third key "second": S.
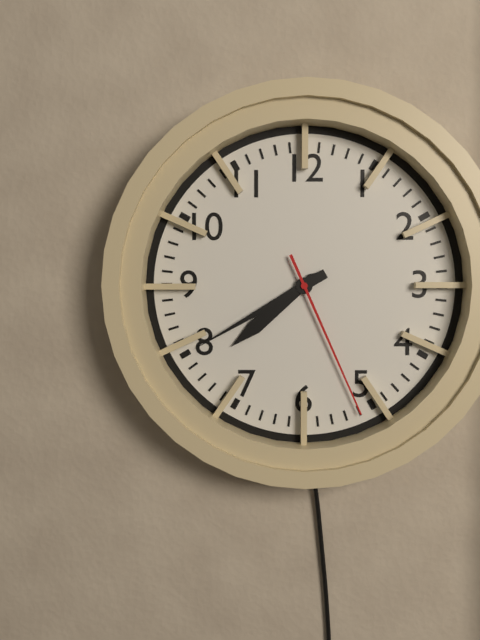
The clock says {"hour": 7, "minute": 40, "second": 26}
